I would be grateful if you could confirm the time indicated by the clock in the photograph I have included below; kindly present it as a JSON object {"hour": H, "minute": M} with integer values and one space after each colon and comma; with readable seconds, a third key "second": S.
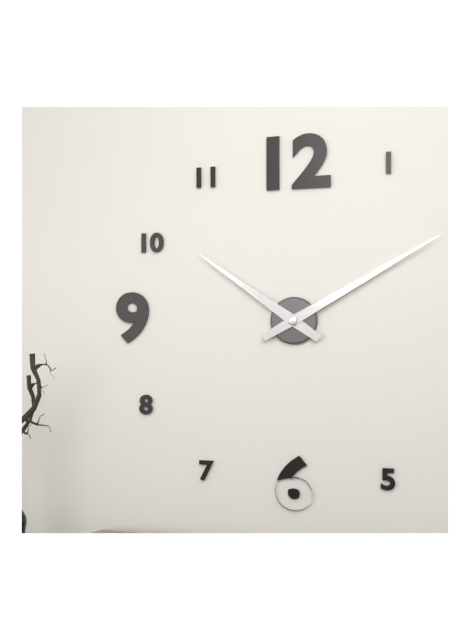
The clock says {"hour": 10, "minute": 10}
